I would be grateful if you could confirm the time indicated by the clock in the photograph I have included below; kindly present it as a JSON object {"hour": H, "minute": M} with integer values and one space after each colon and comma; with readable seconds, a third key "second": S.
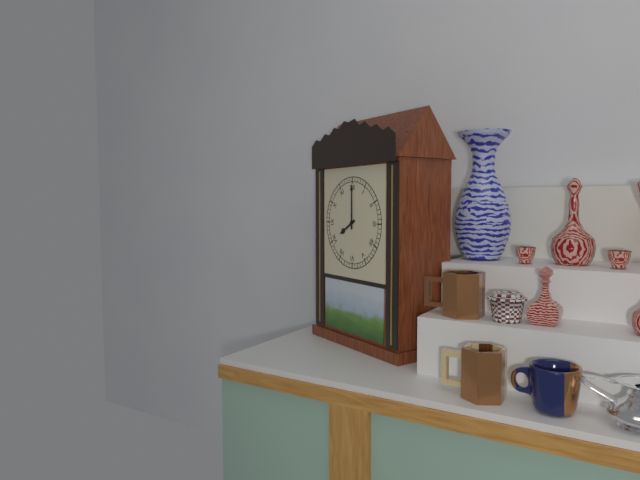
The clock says {"hour": 8, "minute": 0}
